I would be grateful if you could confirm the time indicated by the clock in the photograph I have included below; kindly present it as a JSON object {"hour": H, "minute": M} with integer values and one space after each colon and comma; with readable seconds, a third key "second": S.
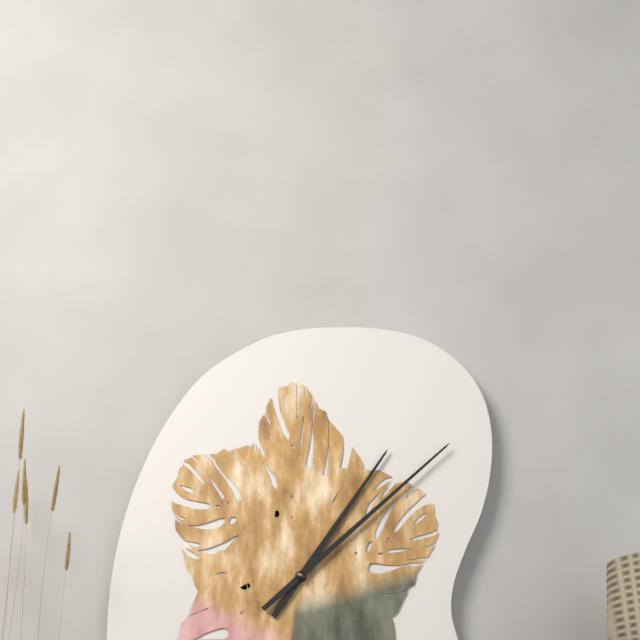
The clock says {"hour": 1, "minute": 8}
